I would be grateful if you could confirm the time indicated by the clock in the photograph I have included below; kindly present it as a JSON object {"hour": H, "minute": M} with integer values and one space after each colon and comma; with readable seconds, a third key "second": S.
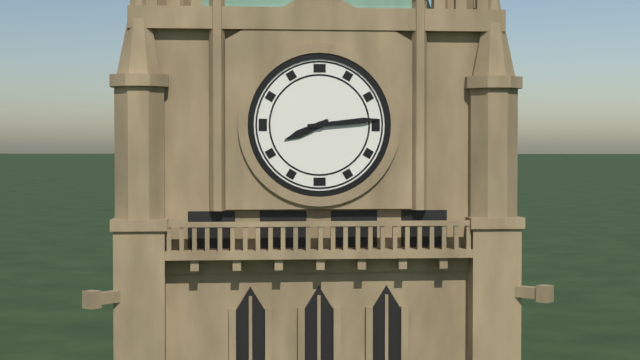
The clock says {"hour": 8, "minute": 14}
